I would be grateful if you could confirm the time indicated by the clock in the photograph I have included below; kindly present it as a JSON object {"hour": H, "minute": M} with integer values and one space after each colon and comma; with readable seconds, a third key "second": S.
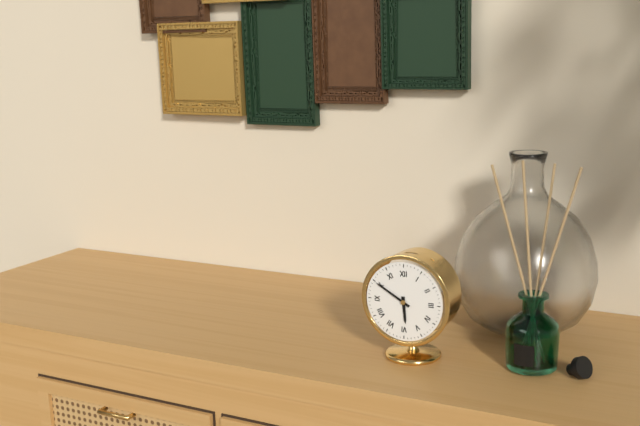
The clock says {"hour": 5, "minute": 50}
